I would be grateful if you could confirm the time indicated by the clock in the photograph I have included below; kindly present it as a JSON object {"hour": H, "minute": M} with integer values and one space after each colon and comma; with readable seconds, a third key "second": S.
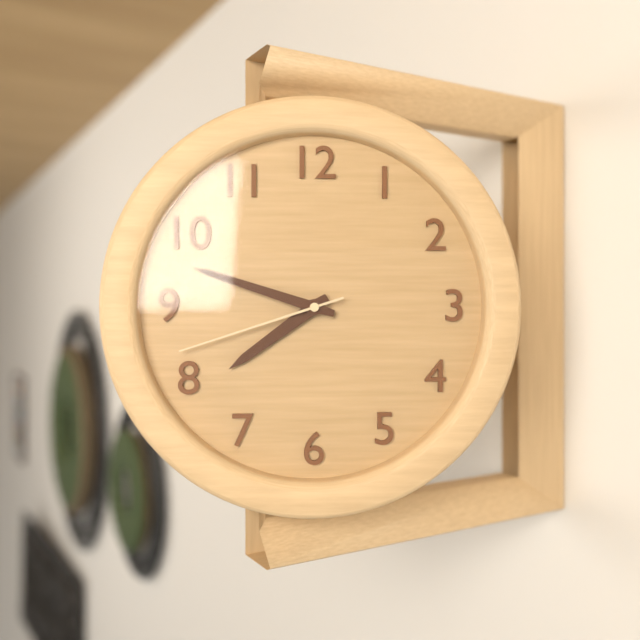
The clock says {"hour": 7, "minute": 48, "second": 42}
